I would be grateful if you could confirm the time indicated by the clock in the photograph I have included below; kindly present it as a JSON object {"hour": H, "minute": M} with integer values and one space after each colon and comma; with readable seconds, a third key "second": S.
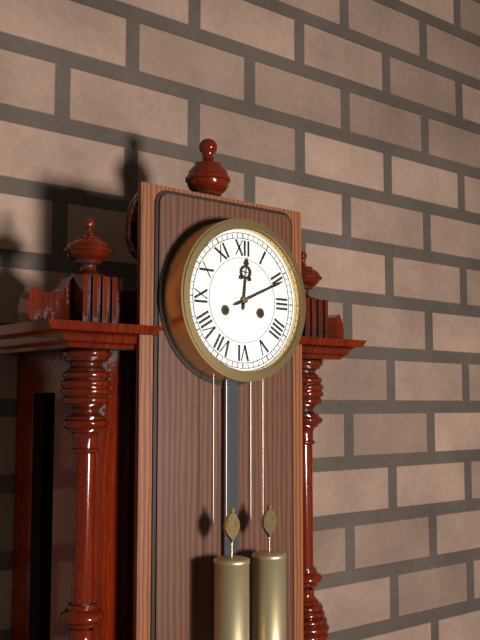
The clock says {"hour": 12, "minute": 11}
